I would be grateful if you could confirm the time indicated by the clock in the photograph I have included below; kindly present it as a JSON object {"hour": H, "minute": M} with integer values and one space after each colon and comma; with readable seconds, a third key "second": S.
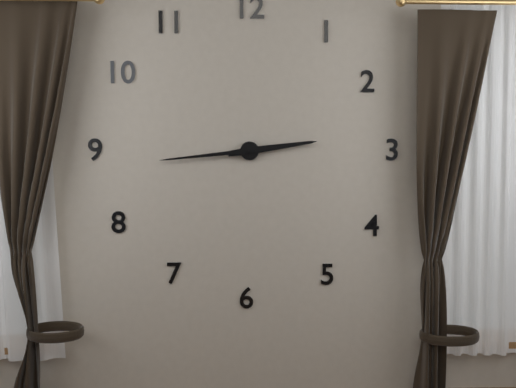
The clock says {"hour": 2, "minute": 44}
